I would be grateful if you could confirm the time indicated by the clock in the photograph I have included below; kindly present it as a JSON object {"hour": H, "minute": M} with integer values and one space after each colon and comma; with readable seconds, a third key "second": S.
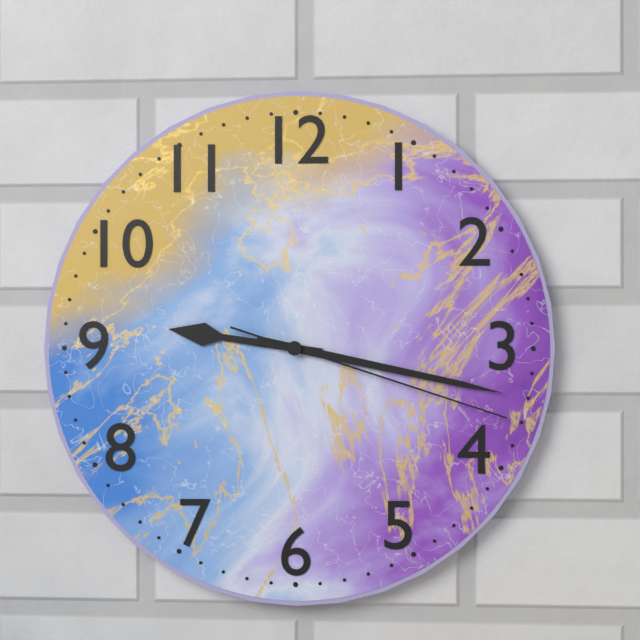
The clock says {"hour": 9, "minute": 17, "second": 18}
